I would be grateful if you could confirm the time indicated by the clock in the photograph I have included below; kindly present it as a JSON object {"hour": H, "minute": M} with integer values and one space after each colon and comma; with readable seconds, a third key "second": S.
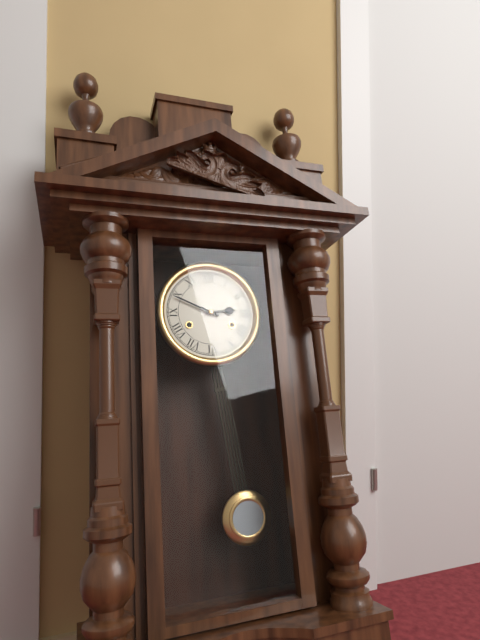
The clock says {"hour": 2, "minute": 49}
